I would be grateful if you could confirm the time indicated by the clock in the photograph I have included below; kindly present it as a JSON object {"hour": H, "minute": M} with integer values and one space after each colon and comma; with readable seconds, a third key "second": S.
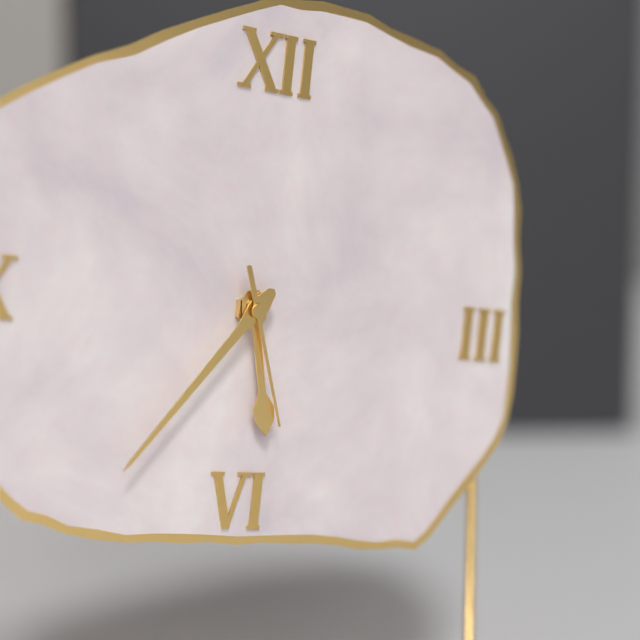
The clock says {"hour": 5, "minute": 36, "second": 27}
